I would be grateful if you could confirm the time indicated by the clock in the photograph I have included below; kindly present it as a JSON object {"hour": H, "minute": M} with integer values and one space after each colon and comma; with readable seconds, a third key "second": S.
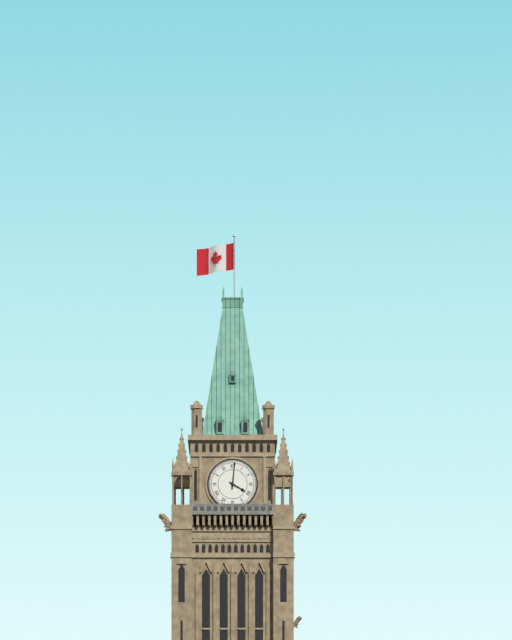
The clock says {"hour": 4, "minute": 1}
